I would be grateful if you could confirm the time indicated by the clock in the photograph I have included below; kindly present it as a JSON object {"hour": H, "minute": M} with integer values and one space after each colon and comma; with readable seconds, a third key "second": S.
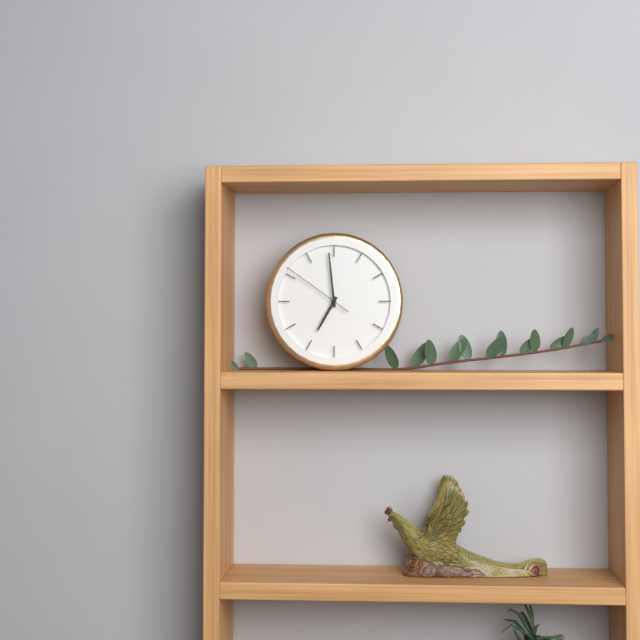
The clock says {"hour": 6, "minute": 59, "second": 51}
